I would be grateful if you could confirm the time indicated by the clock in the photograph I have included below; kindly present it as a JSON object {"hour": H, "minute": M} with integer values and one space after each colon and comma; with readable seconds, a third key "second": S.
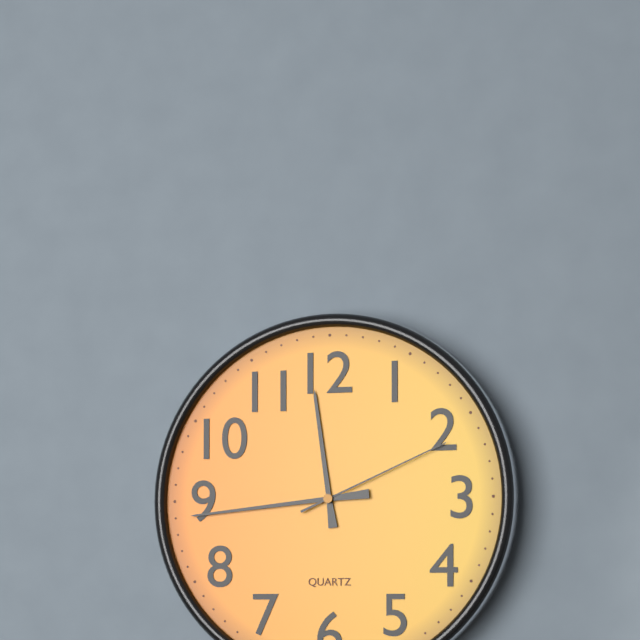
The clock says {"hour": 11, "minute": 44, "second": 11}
